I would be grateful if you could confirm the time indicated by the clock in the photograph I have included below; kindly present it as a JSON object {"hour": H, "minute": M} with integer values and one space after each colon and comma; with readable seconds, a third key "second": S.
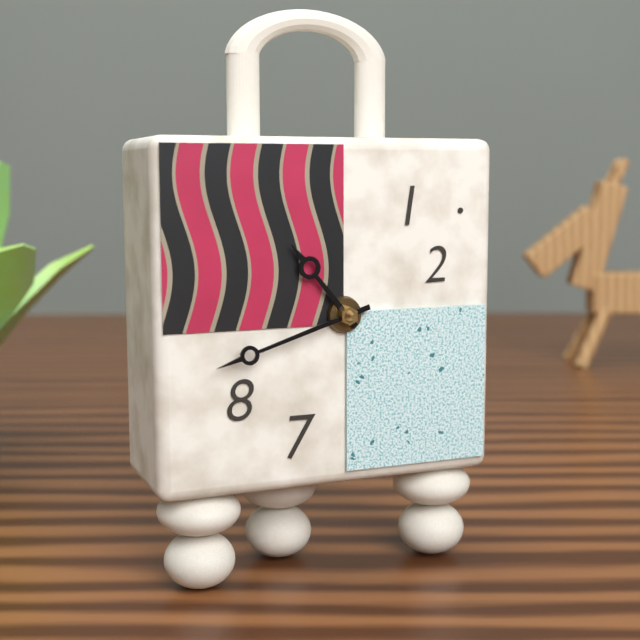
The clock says {"hour": 10, "minute": 42}
